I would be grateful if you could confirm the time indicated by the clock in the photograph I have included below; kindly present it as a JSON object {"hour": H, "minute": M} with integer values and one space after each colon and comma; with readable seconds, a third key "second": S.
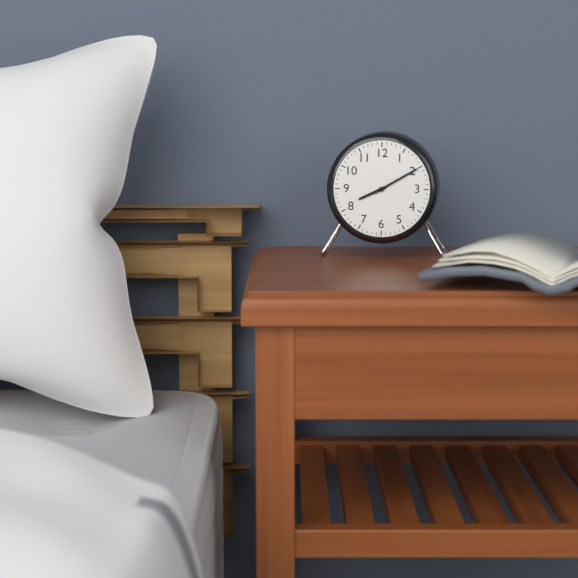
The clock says {"hour": 8, "minute": 10}
